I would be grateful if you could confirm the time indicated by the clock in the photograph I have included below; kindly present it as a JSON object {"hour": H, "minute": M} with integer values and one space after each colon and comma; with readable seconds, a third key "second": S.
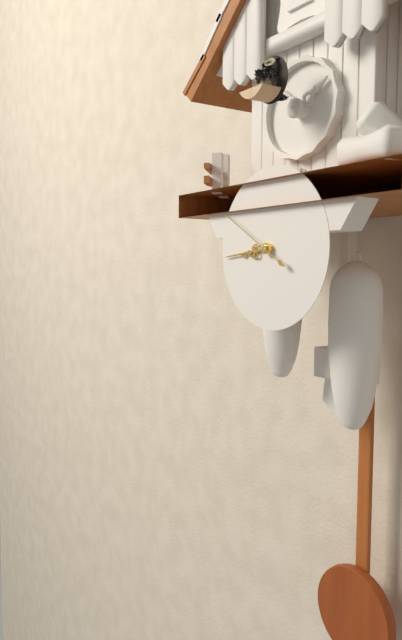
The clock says {"hour": 8, "minute": 44, "second": 50}
